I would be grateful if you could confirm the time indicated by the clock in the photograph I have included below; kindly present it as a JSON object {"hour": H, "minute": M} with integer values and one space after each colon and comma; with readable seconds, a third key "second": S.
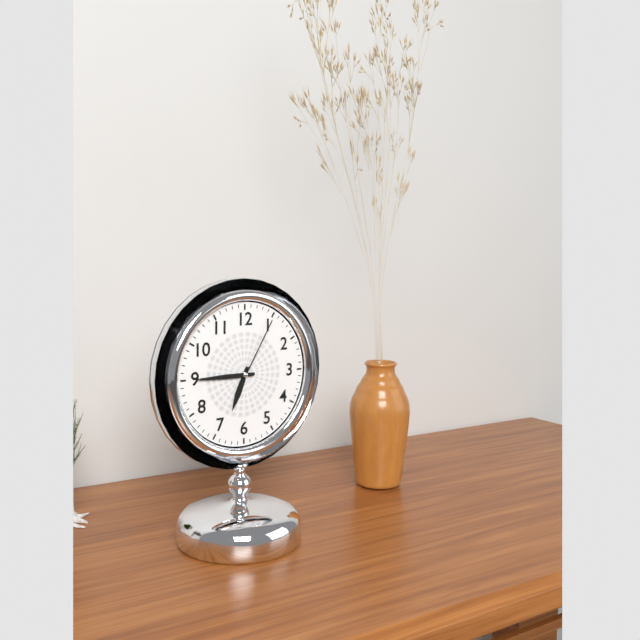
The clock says {"hour": 6, "minute": 45, "second": 5}
